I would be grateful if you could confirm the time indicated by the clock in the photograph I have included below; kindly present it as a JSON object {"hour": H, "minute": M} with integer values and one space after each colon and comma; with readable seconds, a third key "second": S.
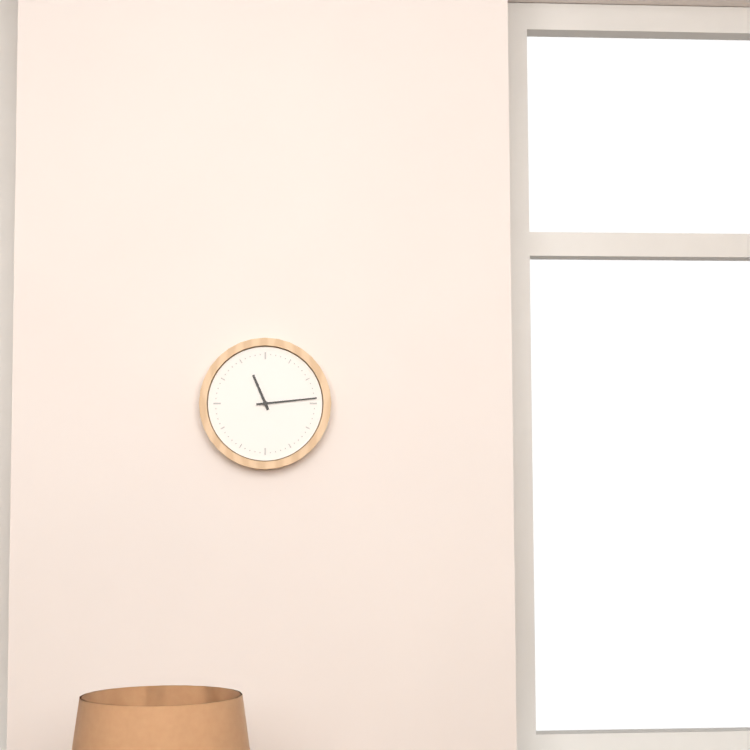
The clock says {"hour": 11, "minute": 14}
